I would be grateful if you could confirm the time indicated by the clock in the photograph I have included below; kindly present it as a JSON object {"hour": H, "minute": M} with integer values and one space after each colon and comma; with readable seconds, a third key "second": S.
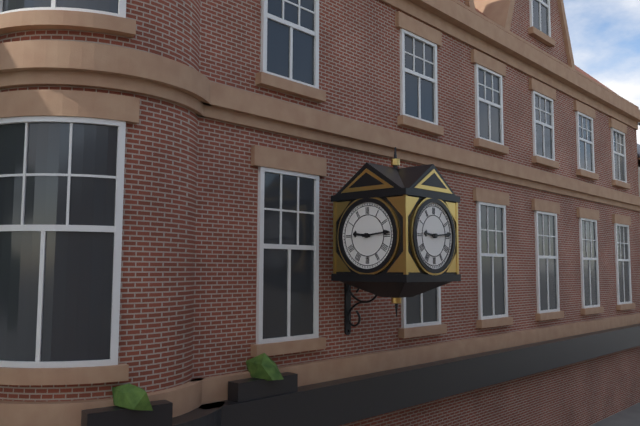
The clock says {"hour": 9, "minute": 14}
